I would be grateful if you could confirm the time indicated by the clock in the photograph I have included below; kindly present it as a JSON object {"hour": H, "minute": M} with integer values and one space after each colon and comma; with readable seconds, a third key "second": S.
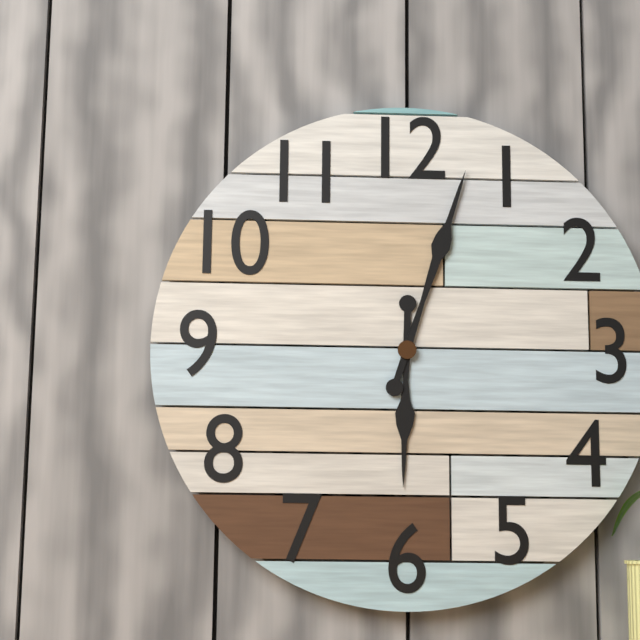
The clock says {"hour": 6, "minute": 3}
